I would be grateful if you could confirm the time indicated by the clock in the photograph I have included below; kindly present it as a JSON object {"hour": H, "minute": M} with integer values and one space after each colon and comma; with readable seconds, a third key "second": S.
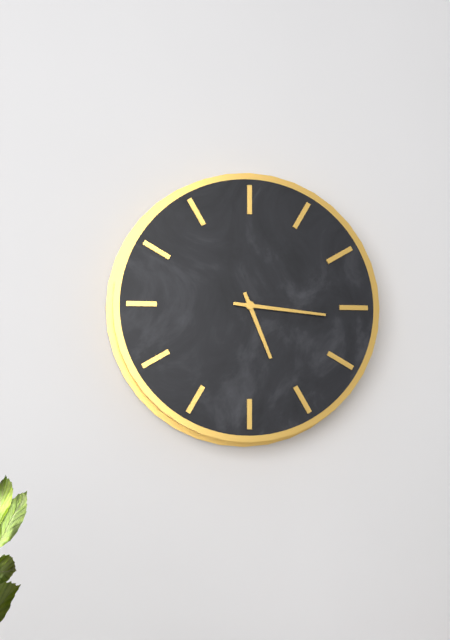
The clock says {"hour": 5, "minute": 16}
